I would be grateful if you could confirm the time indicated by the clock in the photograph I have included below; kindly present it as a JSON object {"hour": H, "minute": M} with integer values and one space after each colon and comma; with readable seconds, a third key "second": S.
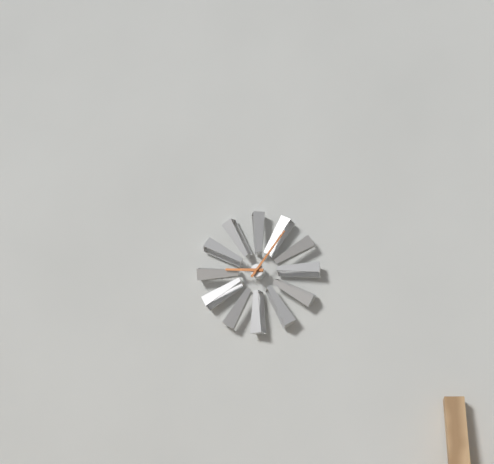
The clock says {"hour": 9, "minute": 6}
